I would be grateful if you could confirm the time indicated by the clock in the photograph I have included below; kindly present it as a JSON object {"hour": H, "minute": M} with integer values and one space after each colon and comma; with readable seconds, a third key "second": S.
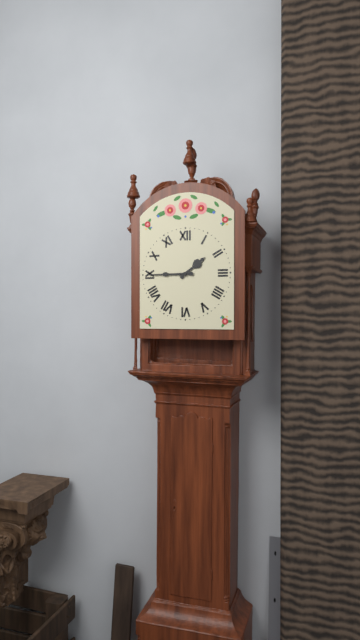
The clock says {"hour": 1, "minute": 45}
